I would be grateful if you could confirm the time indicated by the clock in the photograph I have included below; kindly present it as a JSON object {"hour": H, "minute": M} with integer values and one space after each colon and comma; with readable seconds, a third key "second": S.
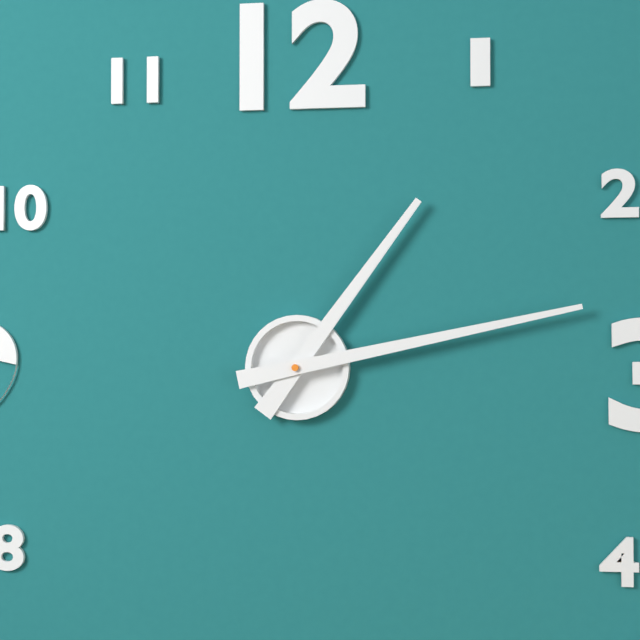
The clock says {"hour": 1, "minute": 13}
